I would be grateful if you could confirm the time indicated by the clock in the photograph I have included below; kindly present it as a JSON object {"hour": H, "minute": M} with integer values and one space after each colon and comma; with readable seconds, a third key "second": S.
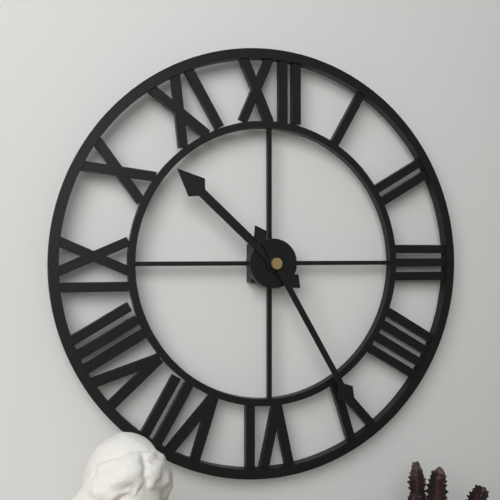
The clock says {"hour": 10, "minute": 25}
